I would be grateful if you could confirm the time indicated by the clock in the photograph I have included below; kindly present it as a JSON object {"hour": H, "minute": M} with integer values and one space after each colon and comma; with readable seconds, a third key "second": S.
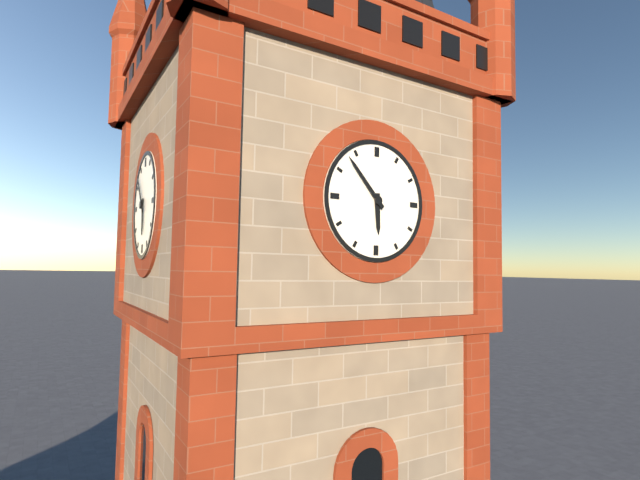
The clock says {"hour": 5, "minute": 53}
